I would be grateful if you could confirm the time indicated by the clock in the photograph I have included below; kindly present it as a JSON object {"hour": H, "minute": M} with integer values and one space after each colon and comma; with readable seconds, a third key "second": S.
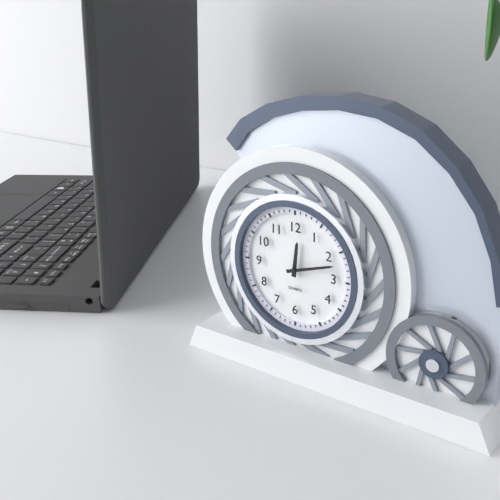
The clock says {"hour": 12, "minute": 12}
